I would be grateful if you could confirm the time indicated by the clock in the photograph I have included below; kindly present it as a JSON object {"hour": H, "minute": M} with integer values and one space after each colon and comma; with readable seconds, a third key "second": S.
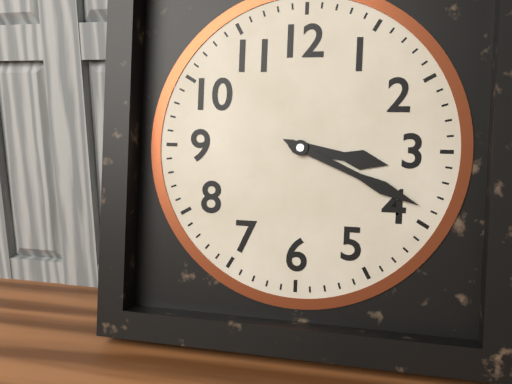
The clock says {"hour": 3, "minute": 19}
